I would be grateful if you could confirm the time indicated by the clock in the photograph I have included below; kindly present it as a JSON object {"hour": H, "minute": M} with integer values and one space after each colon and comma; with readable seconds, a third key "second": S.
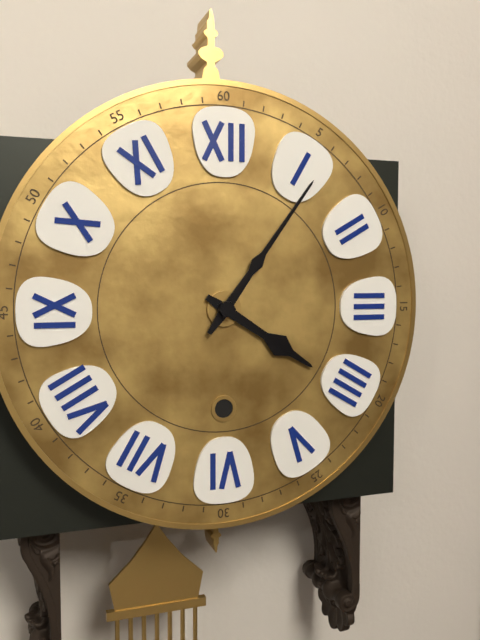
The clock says {"hour": 4, "minute": 6}
